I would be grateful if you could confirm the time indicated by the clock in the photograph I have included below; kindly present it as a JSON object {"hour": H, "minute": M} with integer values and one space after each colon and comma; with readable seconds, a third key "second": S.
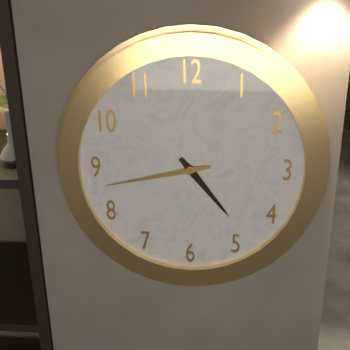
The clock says {"hour": 4, "minute": 43}
